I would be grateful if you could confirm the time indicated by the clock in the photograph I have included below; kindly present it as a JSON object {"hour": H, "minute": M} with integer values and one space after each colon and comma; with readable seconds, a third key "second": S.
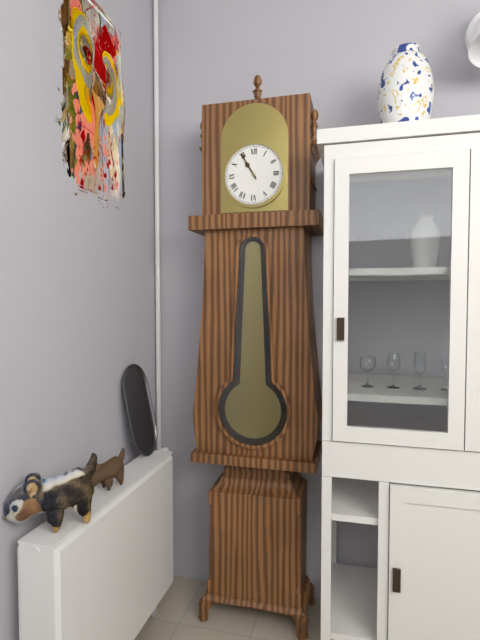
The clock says {"hour": 10, "minute": 55}
